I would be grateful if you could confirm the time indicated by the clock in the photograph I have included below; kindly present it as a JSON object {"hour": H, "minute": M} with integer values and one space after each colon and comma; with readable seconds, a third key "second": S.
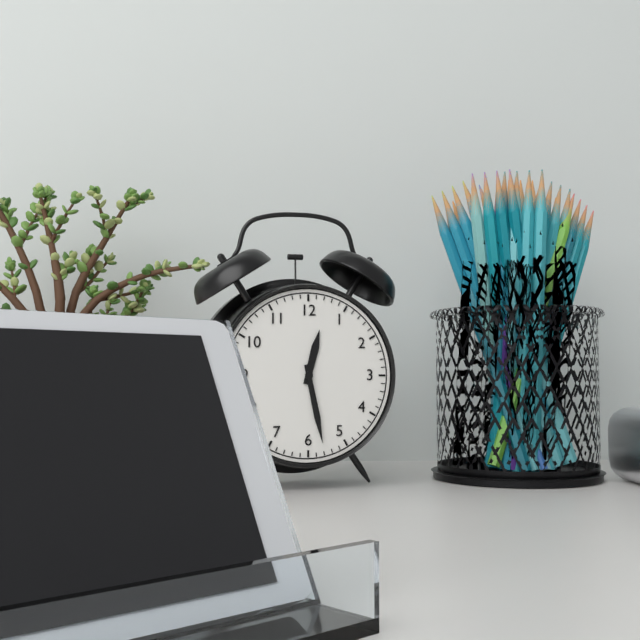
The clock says {"hour": 12, "minute": 28}
